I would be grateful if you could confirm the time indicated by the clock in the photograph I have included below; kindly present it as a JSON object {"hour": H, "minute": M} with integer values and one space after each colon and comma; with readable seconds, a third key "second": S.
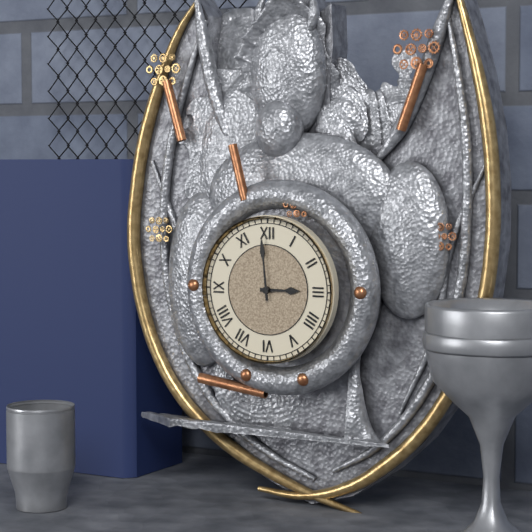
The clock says {"hour": 2, "minute": 59}
